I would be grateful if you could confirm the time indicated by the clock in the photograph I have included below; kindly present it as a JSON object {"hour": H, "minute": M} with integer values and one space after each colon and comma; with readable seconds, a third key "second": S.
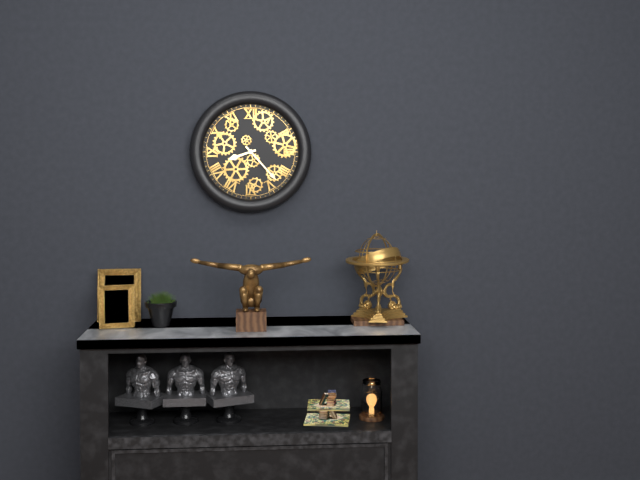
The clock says {"hour": 8, "minute": 23}
